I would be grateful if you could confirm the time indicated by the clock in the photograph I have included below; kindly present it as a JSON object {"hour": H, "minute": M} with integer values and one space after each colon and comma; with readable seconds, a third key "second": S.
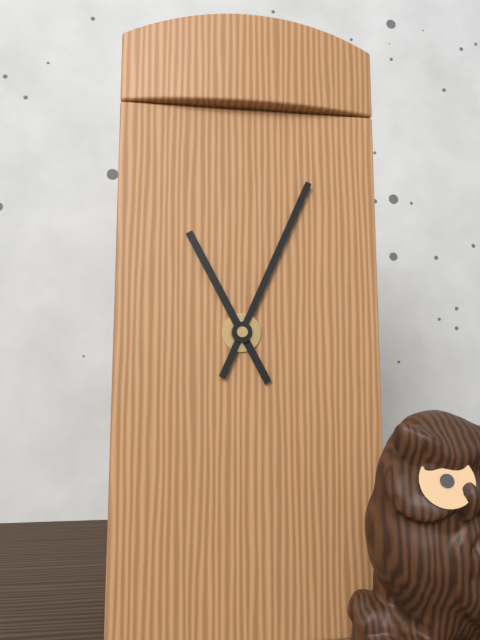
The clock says {"hour": 11, "minute": 4}
